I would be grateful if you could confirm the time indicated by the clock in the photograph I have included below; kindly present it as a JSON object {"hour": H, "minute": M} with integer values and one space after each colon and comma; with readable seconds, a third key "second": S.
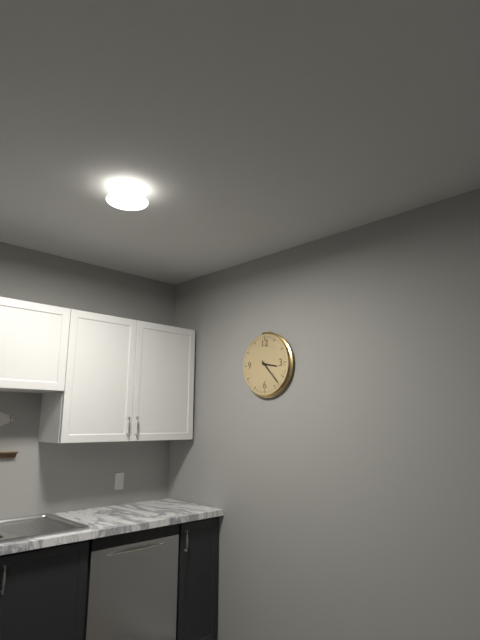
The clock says {"hour": 3, "minute": 23}
